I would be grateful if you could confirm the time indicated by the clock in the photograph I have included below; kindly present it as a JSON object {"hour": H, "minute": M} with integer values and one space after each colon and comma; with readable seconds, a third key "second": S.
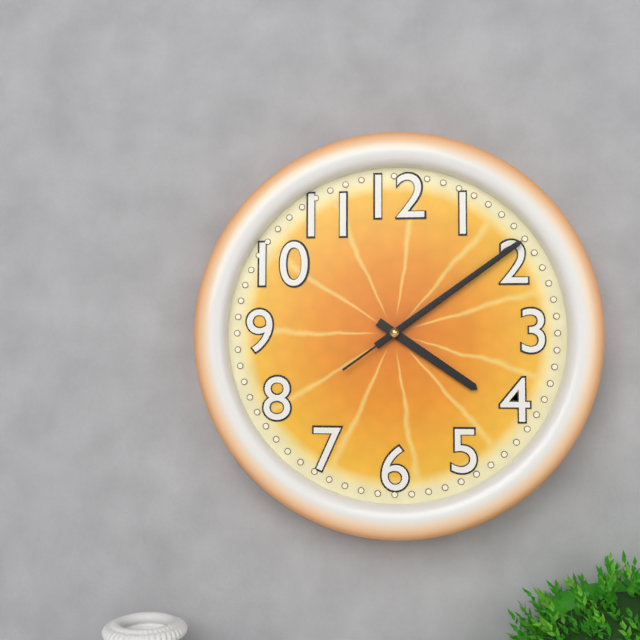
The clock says {"hour": 4, "minute": 9, "second": 9}
